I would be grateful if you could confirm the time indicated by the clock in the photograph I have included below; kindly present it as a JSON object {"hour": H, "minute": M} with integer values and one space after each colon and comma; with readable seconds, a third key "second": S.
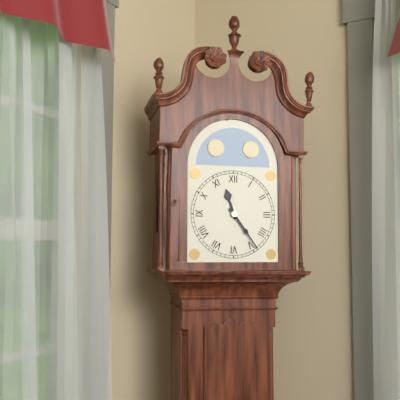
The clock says {"hour": 11, "minute": 24}
